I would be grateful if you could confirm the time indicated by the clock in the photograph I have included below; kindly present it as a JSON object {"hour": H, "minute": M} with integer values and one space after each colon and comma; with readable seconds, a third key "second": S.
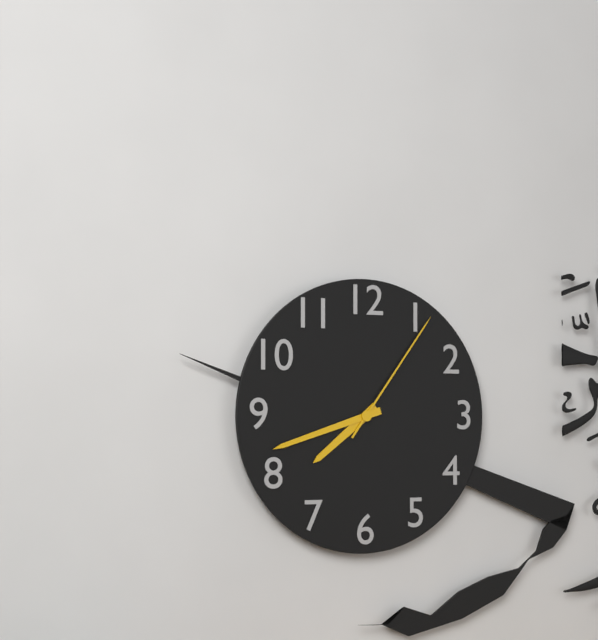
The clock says {"hour": 7, "minute": 42, "second": 6}
